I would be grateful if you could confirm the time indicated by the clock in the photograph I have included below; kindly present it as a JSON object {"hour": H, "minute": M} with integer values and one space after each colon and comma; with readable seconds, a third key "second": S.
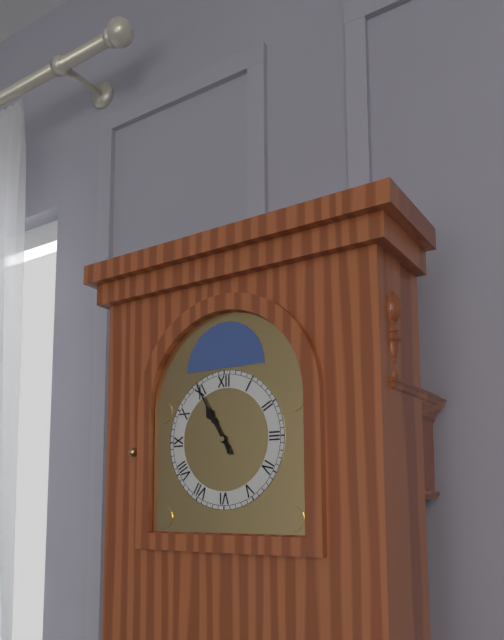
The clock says {"hour": 10, "minute": 55}
